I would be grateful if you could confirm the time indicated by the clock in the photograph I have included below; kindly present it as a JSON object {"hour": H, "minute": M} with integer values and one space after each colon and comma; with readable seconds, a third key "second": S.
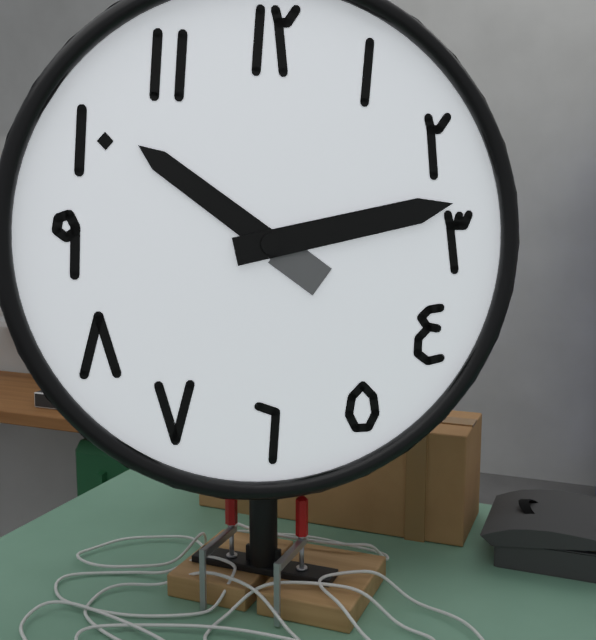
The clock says {"hour": 10, "minute": 13}
